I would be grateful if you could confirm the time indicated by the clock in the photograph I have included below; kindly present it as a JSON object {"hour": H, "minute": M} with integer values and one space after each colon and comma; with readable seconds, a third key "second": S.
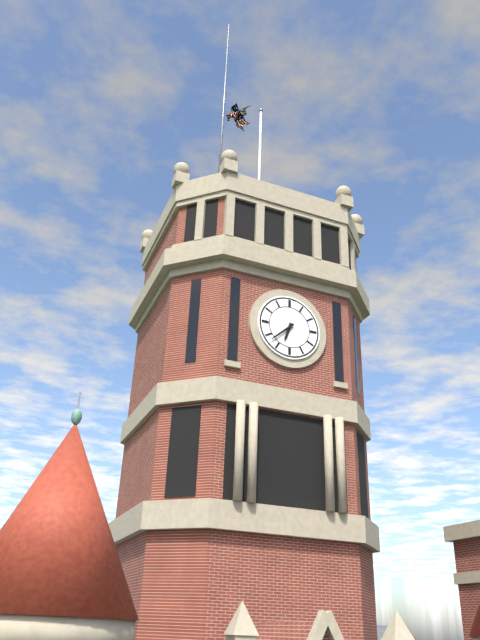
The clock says {"hour": 6, "minute": 38}
